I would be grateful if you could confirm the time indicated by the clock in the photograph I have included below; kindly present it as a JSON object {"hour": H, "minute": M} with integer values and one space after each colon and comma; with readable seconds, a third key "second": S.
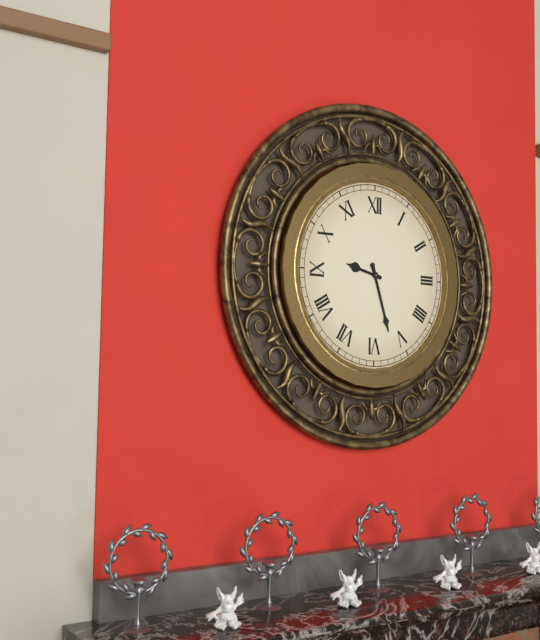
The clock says {"hour": 9, "minute": 27}
